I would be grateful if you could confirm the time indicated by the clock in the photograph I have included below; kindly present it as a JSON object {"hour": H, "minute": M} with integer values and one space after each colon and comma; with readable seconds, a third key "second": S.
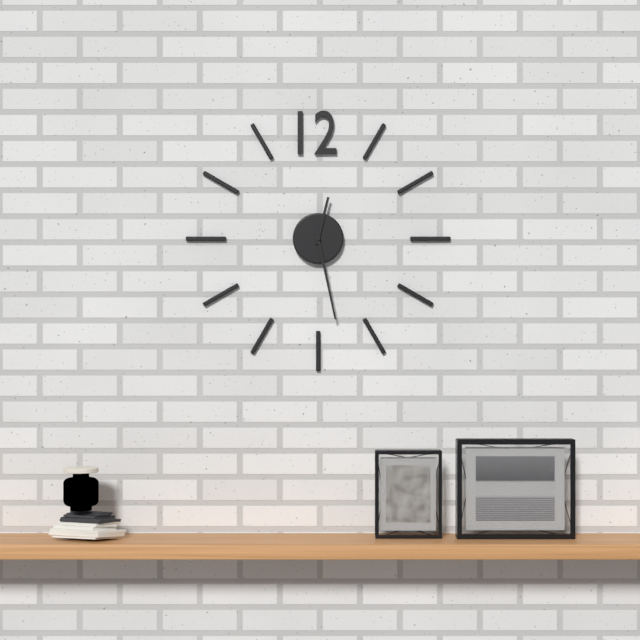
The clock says {"hour": 12, "minute": 28}
